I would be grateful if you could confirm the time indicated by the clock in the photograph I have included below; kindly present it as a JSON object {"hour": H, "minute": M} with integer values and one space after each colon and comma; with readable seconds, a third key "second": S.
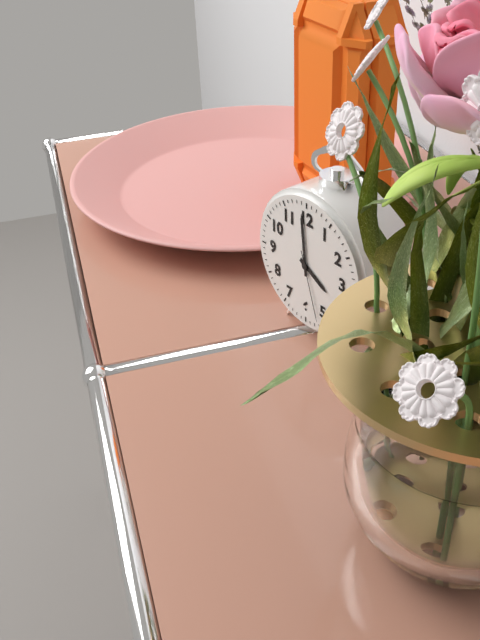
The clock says {"hour": 3, "minute": 59, "second": 27}
